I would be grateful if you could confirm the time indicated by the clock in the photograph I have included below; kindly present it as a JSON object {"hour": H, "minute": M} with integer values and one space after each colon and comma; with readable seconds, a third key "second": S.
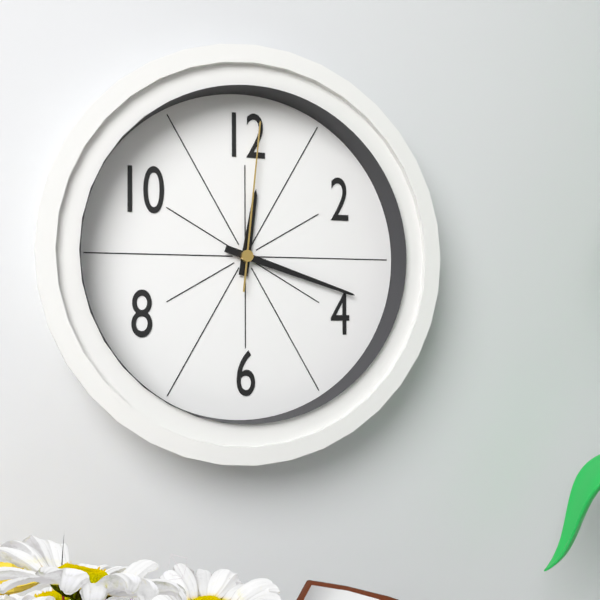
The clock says {"hour": 12, "minute": 18, "second": 1}
